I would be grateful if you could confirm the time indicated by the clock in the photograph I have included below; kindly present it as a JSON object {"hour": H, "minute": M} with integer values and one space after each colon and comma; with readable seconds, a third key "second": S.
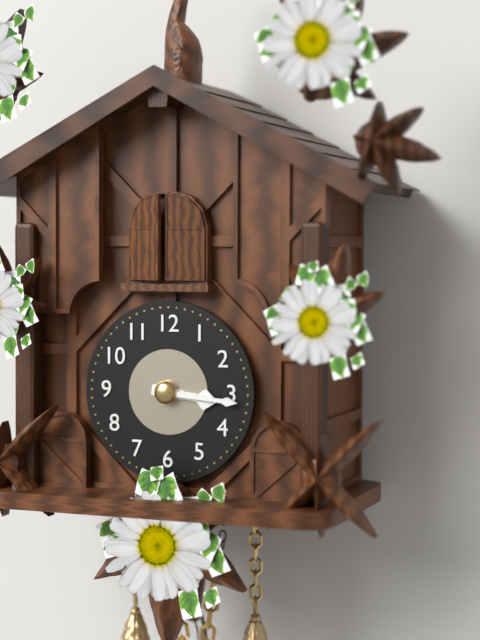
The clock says {"hour": 3, "minute": 16}
